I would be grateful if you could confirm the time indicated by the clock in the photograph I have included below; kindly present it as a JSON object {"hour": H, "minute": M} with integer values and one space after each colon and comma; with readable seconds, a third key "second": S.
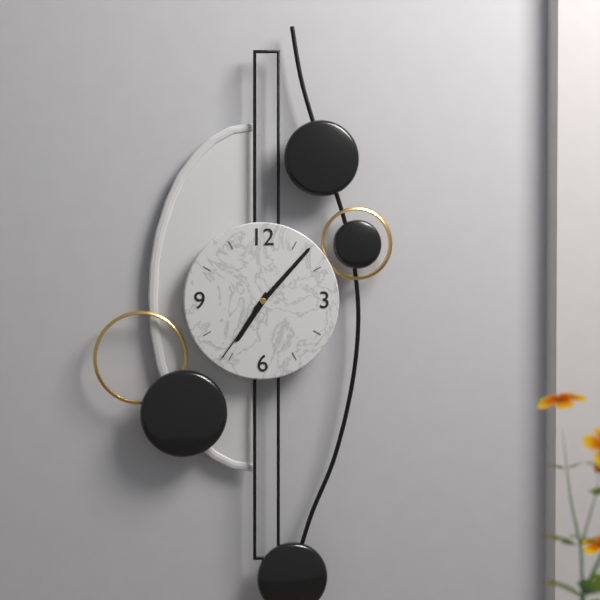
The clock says {"hour": 7, "minute": 7, "second": 36}
